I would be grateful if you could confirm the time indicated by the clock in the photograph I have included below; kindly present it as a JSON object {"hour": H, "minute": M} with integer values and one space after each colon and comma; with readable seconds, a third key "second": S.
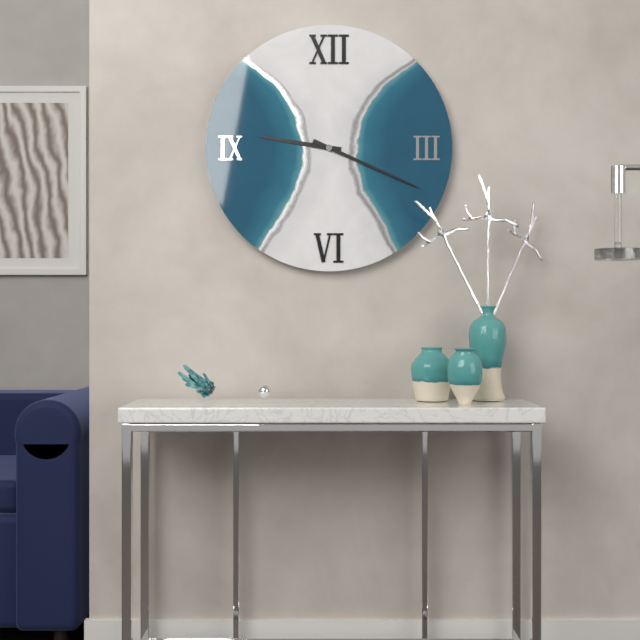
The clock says {"hour": 9, "minute": 19}
